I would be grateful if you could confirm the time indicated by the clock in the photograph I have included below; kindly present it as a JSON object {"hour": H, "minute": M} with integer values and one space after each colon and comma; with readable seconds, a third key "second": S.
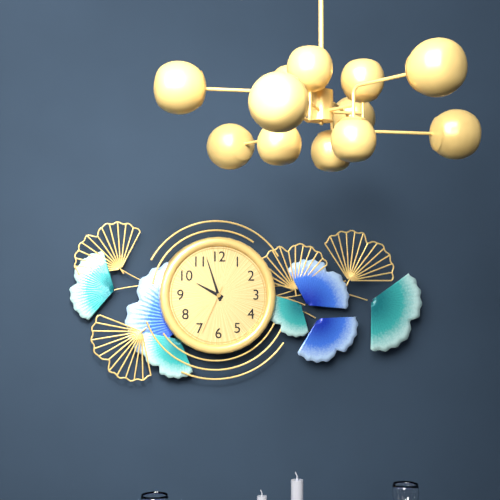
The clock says {"hour": 9, "minute": 57, "second": 34}
